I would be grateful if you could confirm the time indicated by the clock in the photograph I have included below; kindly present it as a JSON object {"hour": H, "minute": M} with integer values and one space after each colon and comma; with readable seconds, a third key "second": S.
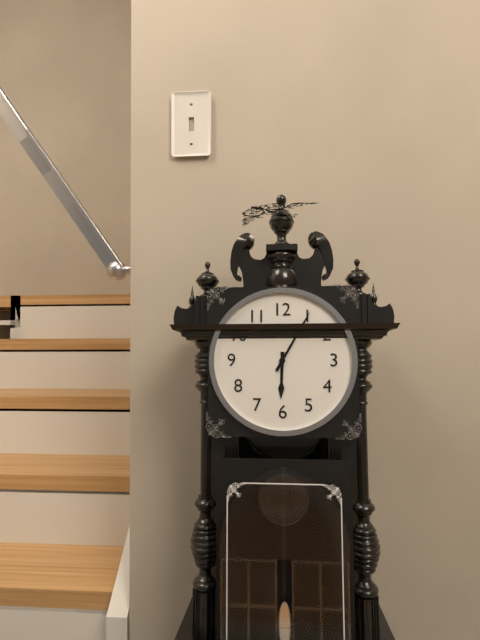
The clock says {"hour": 6, "minute": 5}
